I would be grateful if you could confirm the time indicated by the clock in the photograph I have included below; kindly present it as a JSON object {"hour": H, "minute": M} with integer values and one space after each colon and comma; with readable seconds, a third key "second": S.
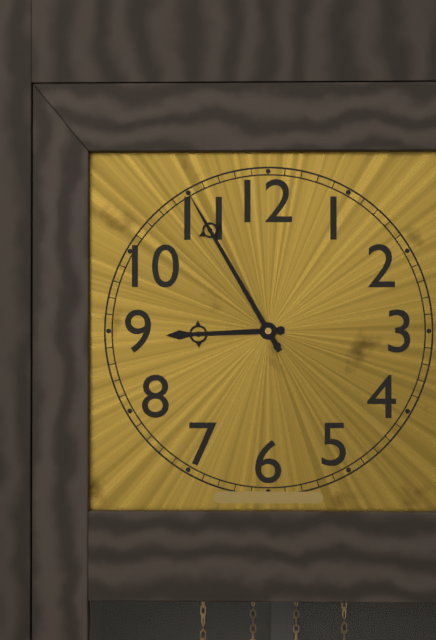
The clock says {"hour": 8, "minute": 55}
